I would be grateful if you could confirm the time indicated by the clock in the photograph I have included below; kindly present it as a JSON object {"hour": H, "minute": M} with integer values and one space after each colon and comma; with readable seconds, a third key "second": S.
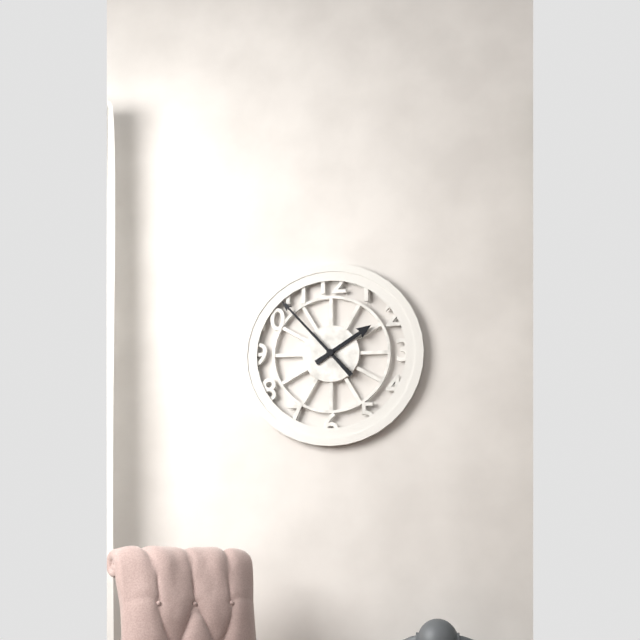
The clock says {"hour": 1, "minute": 53}
